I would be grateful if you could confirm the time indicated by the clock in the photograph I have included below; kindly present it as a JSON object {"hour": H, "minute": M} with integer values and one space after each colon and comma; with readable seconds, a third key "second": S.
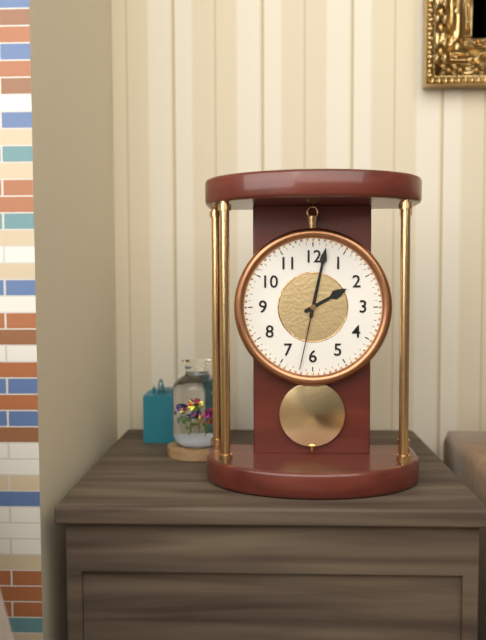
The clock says {"hour": 2, "minute": 2, "second": 32}
